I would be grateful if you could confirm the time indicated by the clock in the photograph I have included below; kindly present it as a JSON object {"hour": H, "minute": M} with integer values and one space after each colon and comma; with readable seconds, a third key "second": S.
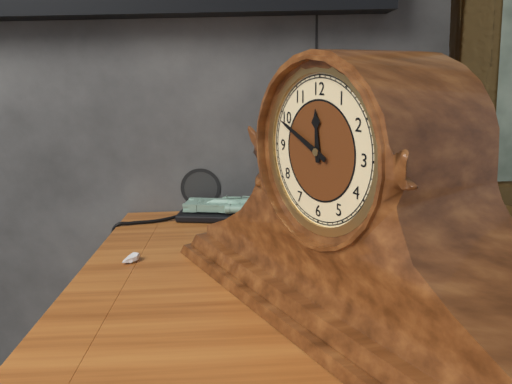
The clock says {"hour": 11, "minute": 49}
